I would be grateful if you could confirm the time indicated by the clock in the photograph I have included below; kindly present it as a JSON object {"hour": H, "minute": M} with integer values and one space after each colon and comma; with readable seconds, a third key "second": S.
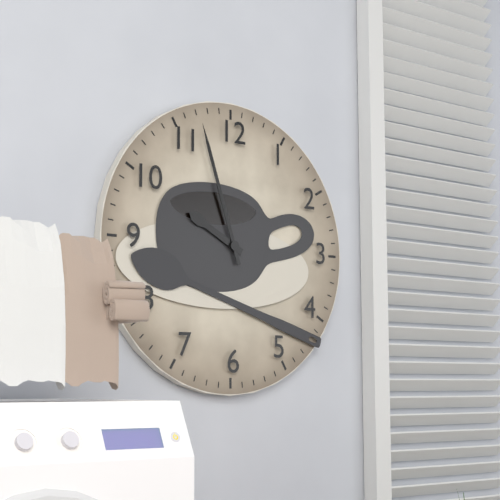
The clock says {"hour": 9, "minute": 57}
